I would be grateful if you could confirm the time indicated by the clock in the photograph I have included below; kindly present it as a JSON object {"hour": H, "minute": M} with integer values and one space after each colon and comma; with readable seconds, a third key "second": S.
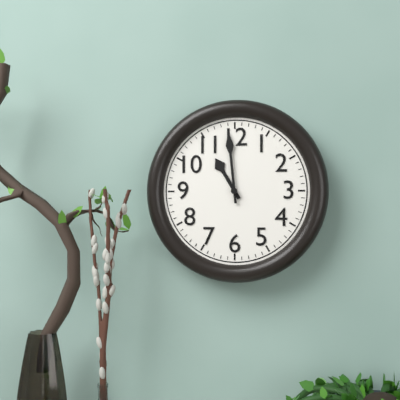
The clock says {"hour": 10, "minute": 59}
